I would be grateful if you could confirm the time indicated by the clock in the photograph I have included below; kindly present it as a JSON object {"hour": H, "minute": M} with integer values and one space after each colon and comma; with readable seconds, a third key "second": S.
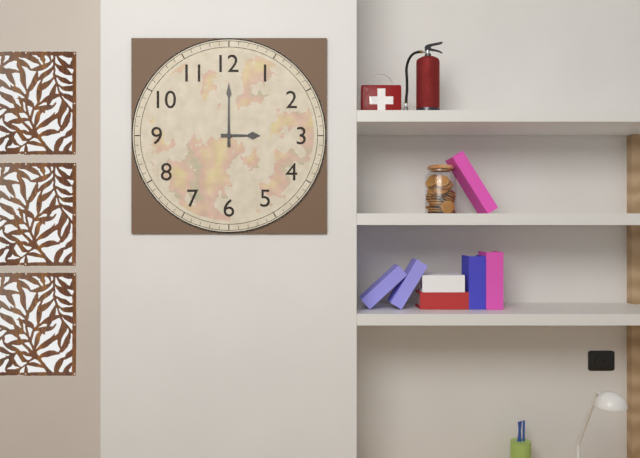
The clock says {"hour": 3, "minute": 0}
